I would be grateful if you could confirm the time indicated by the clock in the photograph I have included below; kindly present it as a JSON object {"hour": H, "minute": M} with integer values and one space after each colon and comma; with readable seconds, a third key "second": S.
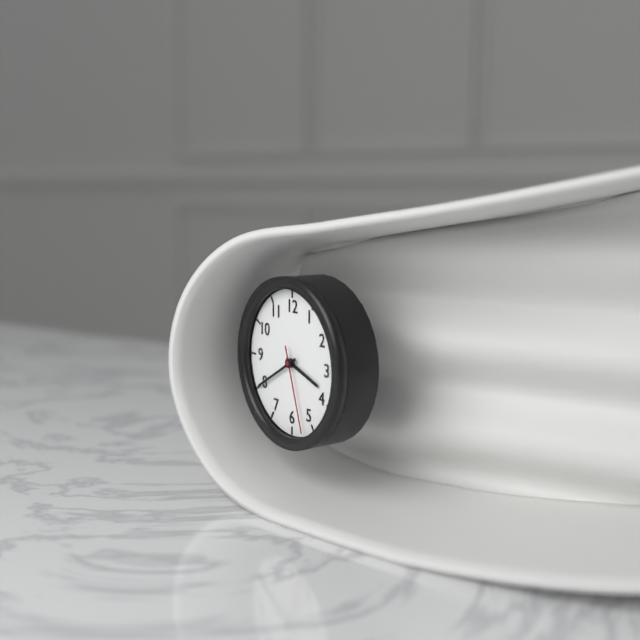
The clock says {"hour": 3, "minute": 40, "second": 27}
